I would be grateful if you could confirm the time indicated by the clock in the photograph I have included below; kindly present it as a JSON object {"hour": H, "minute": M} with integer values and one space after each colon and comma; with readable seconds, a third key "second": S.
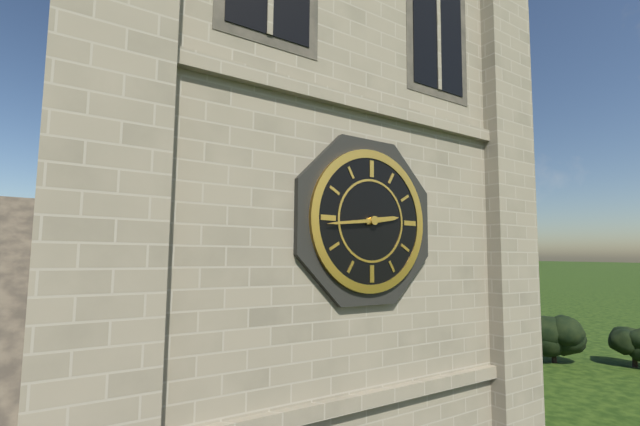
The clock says {"hour": 2, "minute": 44}
